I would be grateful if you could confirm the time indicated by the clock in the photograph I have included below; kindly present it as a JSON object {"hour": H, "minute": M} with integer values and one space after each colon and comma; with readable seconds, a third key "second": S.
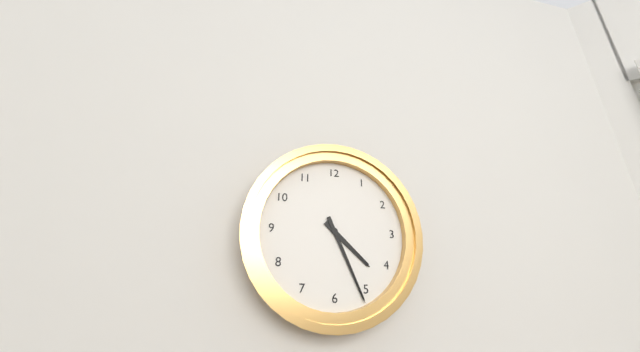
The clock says {"hour": 4, "minute": 26}
